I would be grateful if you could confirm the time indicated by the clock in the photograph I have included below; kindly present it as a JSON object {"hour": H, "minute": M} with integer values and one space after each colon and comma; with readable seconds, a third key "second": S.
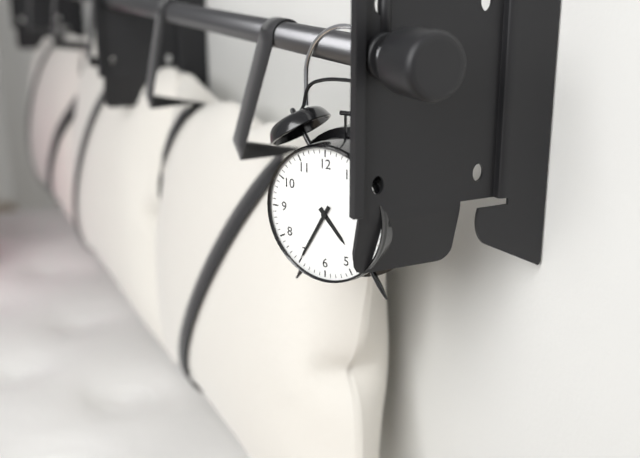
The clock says {"hour": 4, "minute": 35}
